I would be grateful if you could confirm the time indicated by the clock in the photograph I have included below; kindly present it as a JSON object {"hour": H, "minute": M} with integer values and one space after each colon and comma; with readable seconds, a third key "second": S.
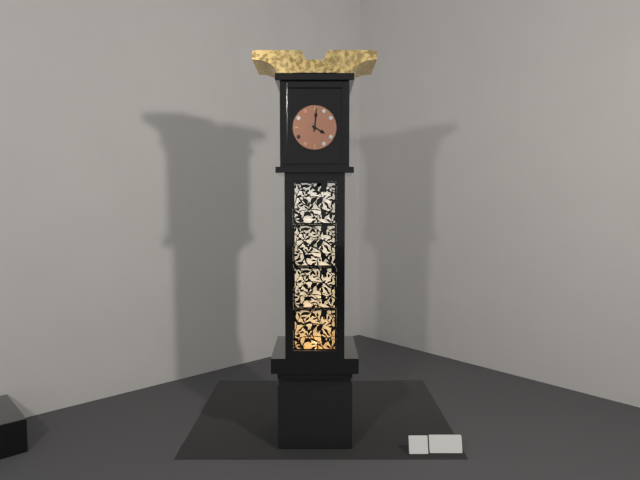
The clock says {"hour": 4, "minute": 1}
